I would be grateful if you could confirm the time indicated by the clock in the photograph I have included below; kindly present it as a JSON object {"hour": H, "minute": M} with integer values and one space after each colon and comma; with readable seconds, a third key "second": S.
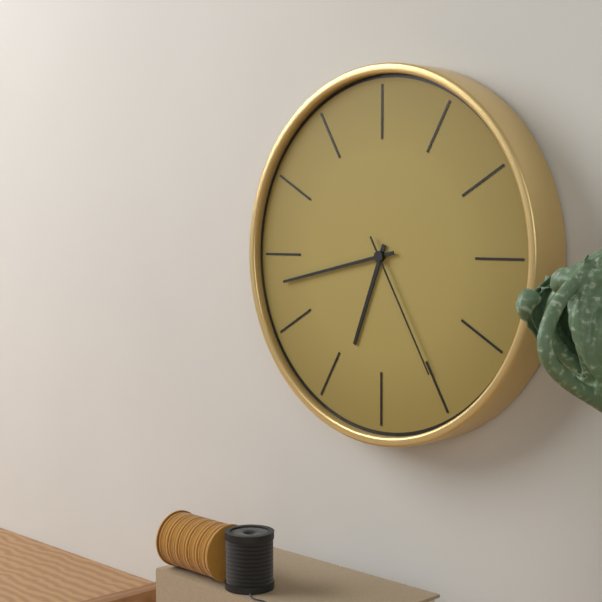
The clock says {"hour": 6, "minute": 43, "second": 25}
